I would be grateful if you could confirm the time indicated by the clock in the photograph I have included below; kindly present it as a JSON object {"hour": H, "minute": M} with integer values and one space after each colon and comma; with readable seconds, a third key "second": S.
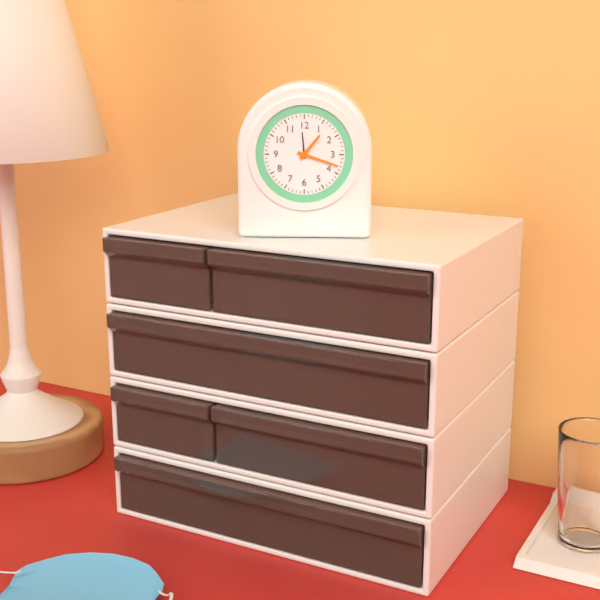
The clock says {"hour": 1, "minute": 18}
